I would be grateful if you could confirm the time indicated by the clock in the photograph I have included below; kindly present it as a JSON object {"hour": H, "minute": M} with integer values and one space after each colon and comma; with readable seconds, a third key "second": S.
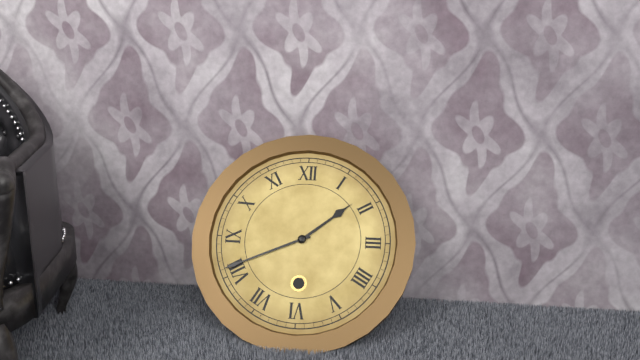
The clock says {"hour": 1, "minute": 41}
